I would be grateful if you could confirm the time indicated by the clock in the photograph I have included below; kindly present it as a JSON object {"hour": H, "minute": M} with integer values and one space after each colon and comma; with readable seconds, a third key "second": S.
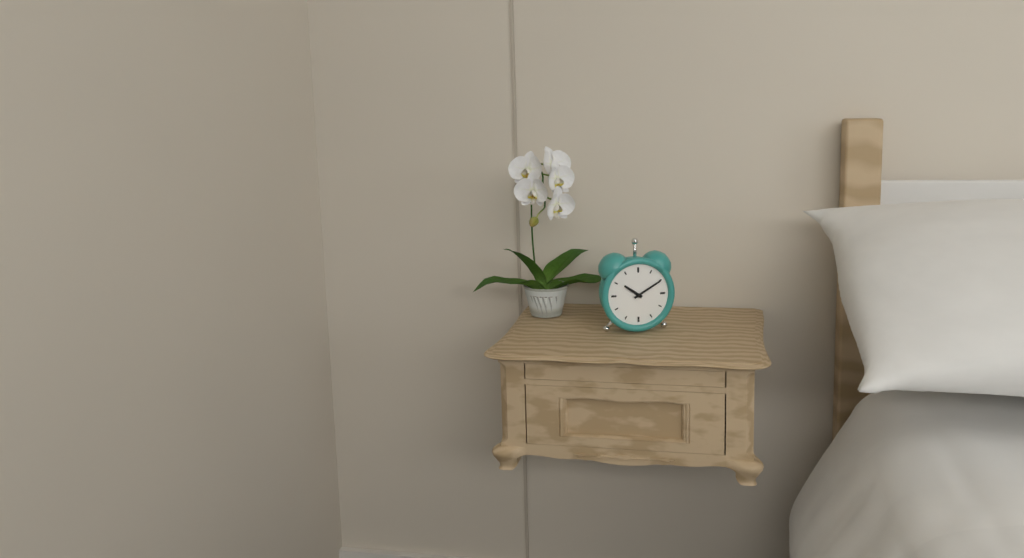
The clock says {"hour": 10, "minute": 10}
